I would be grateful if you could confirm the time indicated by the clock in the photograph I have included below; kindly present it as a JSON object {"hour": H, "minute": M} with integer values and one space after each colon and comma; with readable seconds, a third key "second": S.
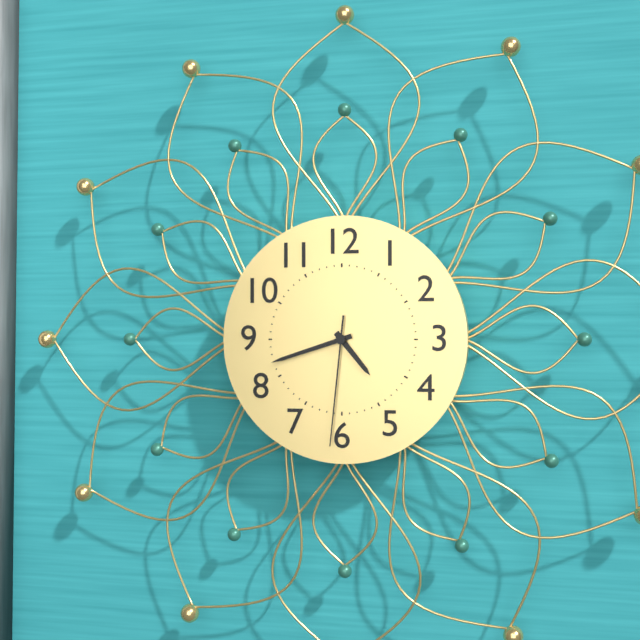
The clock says {"hour": 4, "minute": 42, "second": 31}
